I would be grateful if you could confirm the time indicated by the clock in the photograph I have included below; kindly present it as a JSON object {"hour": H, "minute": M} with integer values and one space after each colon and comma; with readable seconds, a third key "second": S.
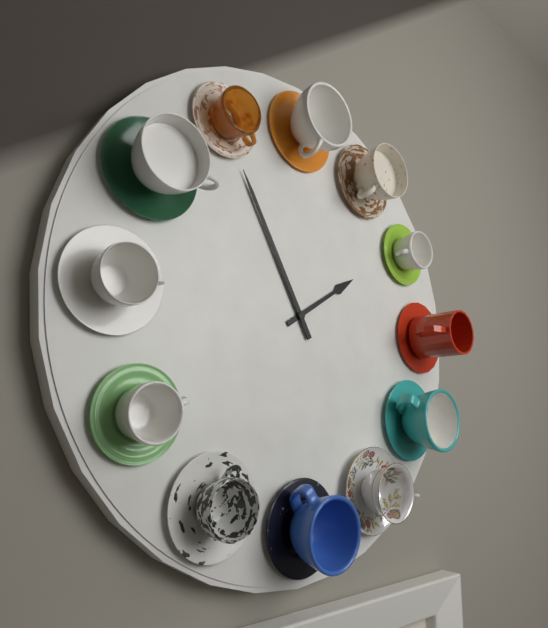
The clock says {"hour": 1, "minute": 55}
